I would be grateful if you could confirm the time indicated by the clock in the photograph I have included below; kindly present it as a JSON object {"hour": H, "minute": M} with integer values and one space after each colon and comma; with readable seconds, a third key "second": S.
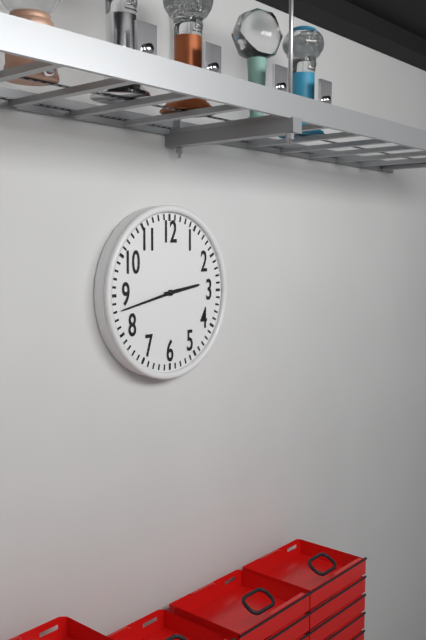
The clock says {"hour": 2, "minute": 43}
